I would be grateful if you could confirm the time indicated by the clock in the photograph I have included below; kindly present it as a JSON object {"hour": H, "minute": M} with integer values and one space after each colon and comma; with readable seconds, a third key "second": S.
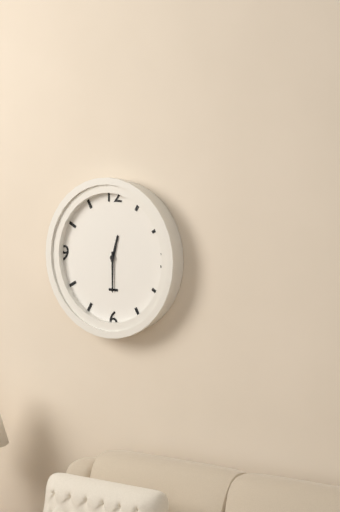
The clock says {"hour": 12, "minute": 30}
